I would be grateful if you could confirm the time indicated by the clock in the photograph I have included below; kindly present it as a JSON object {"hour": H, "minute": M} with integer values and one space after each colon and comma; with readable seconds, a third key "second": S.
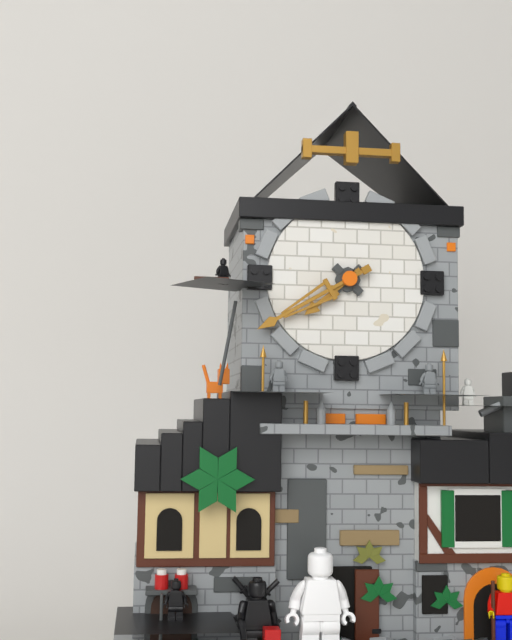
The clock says {"hour": 7, "minute": 40}
